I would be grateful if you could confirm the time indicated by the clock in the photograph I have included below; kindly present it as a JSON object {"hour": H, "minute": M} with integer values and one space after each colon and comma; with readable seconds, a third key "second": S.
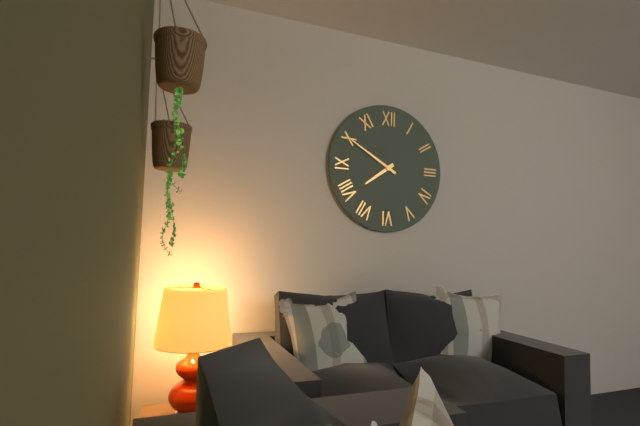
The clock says {"hour": 7, "minute": 50}
